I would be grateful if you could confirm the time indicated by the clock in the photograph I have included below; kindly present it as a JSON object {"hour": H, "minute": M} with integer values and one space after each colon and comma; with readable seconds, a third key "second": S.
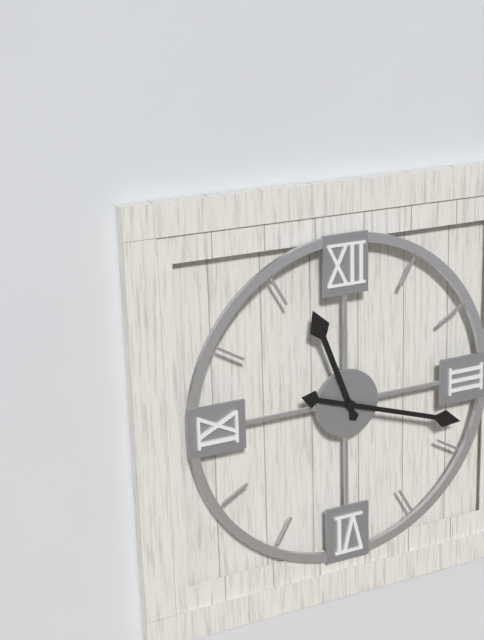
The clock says {"hour": 11, "minute": 18}
